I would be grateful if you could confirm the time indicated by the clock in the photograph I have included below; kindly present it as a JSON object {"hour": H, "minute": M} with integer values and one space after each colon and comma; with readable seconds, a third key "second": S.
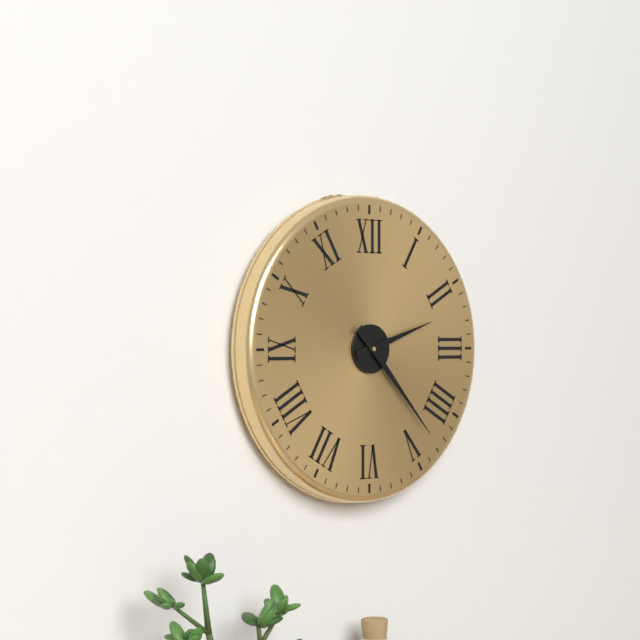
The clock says {"hour": 2, "minute": 23}
